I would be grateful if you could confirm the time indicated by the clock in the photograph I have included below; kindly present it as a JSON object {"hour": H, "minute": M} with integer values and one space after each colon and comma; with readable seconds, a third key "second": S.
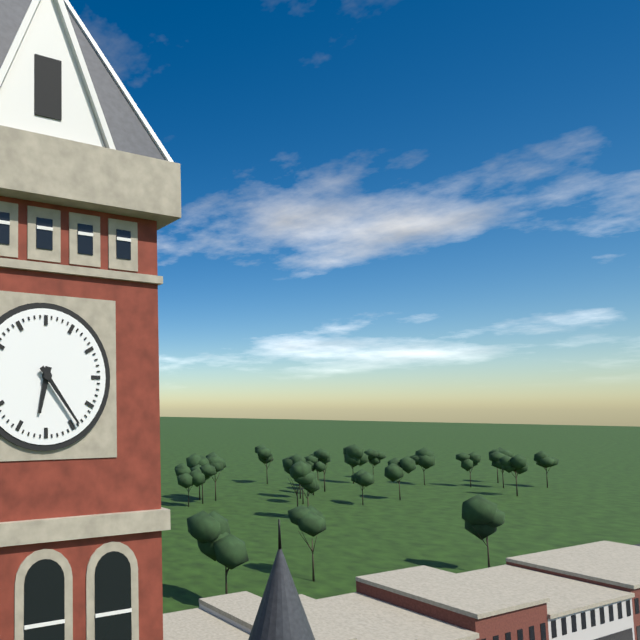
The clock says {"hour": 6, "minute": 24}
